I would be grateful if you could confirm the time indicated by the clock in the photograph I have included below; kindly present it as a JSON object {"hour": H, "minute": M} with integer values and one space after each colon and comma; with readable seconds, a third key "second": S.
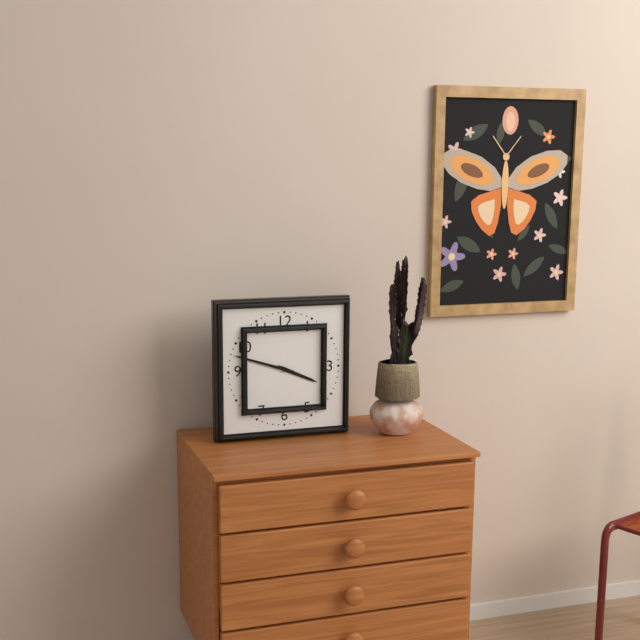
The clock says {"hour": 3, "minute": 48}
